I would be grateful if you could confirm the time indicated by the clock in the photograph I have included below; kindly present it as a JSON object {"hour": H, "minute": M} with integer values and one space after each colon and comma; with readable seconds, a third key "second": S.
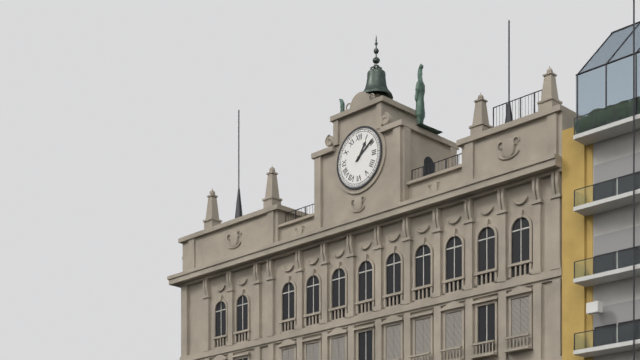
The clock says {"hour": 1, "minute": 9}
